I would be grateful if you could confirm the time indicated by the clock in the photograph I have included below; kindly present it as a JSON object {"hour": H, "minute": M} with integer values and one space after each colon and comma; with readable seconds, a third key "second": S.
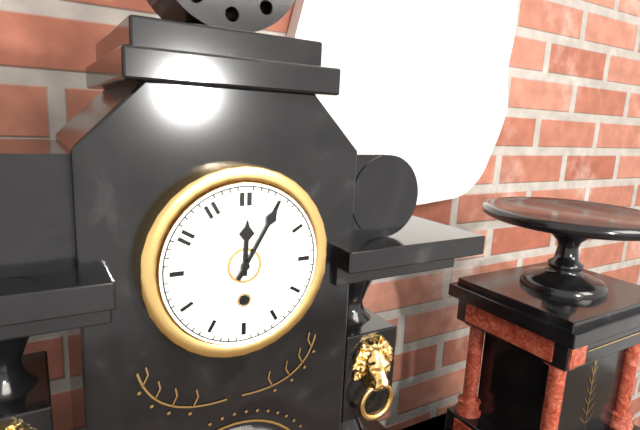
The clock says {"hour": 12, "minute": 5}
